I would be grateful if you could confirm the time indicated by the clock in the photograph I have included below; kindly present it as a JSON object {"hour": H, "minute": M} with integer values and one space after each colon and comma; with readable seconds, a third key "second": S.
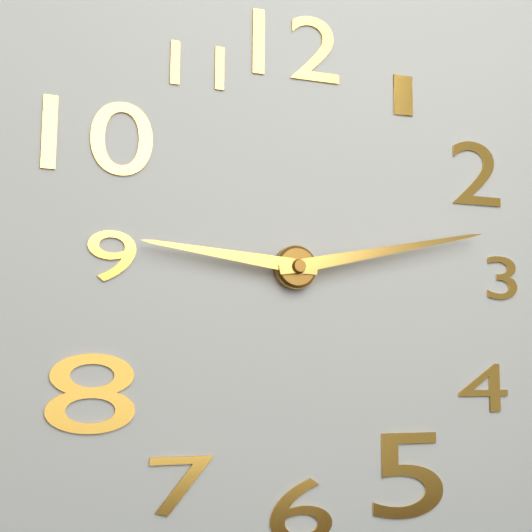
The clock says {"hour": 9, "minute": 13}
